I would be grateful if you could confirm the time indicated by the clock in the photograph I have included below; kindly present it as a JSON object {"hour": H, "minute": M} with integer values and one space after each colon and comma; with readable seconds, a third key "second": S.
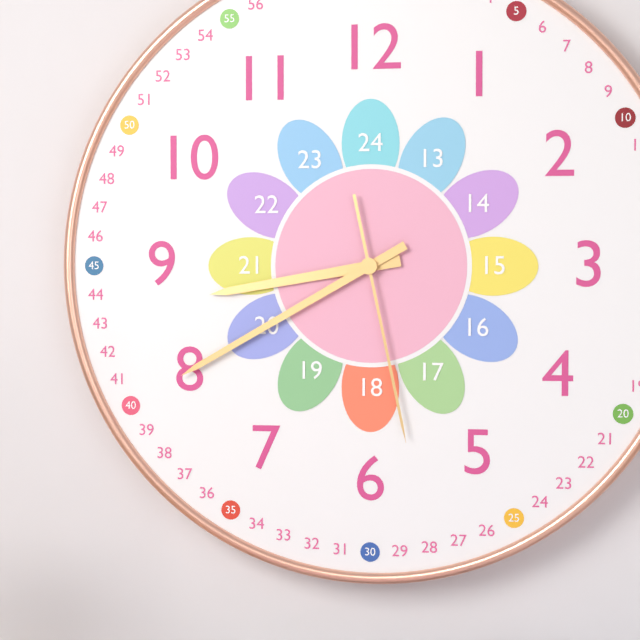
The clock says {"hour": 8, "minute": 40, "second": 28}
